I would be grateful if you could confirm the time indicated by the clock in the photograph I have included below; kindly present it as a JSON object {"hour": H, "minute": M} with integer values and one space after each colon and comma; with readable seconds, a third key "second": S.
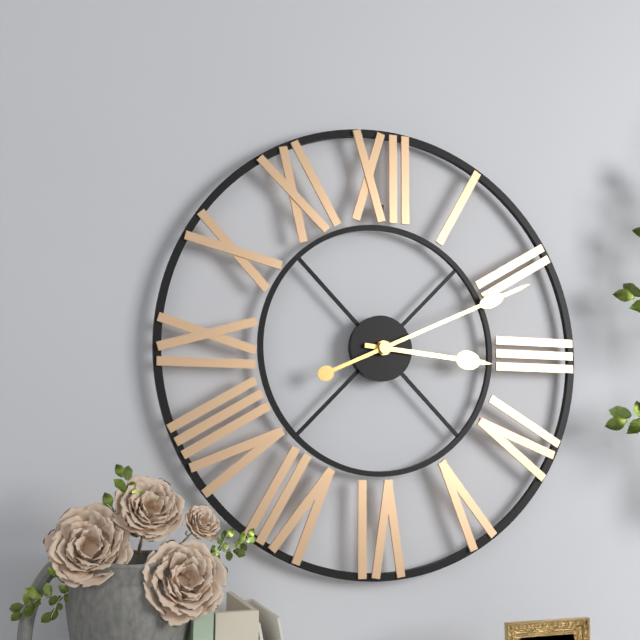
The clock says {"hour": 3, "minute": 11}
